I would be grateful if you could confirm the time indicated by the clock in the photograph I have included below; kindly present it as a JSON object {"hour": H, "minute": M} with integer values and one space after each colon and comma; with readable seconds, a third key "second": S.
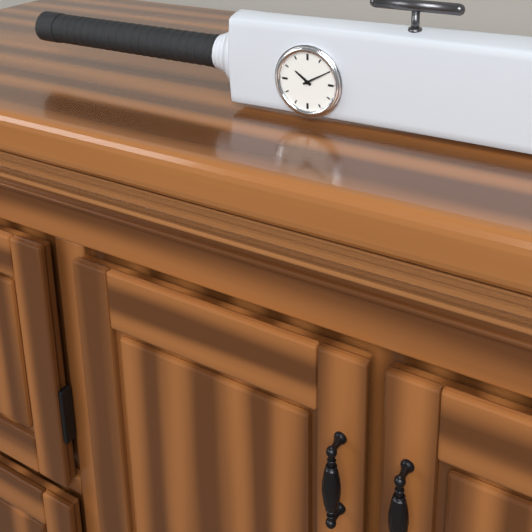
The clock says {"hour": 10, "minute": 10}
